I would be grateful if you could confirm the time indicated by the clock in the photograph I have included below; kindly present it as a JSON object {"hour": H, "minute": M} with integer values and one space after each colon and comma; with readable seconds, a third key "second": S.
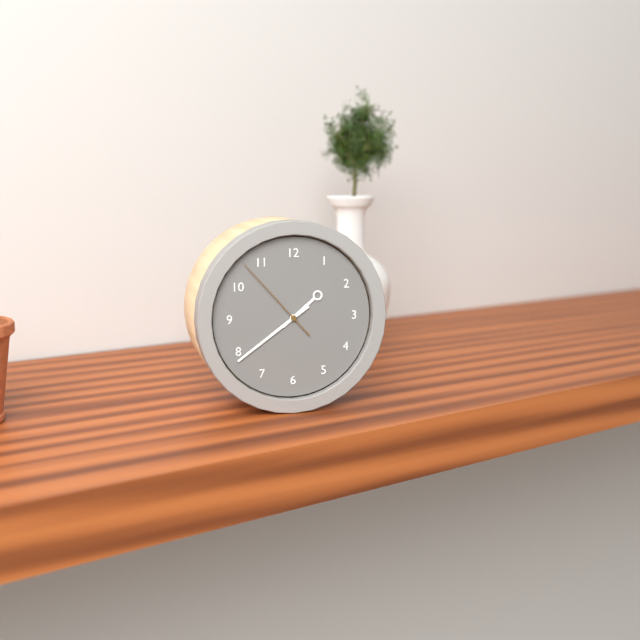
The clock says {"hour": 1, "minute": 39, "second": 53}
